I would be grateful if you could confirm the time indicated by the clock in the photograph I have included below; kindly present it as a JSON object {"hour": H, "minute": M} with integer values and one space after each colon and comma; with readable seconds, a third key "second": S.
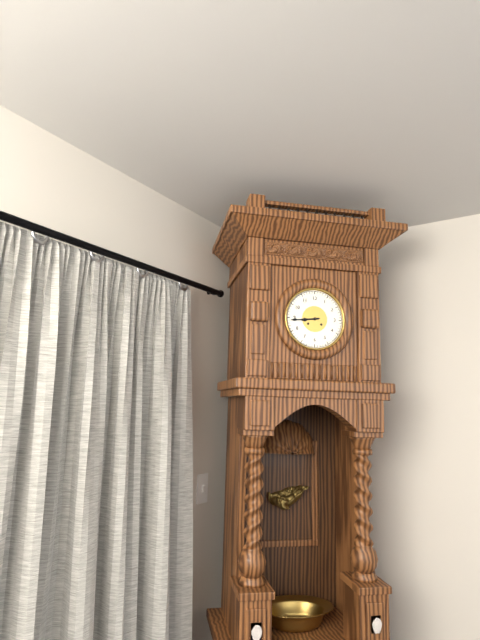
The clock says {"hour": 8, "minute": 44}
